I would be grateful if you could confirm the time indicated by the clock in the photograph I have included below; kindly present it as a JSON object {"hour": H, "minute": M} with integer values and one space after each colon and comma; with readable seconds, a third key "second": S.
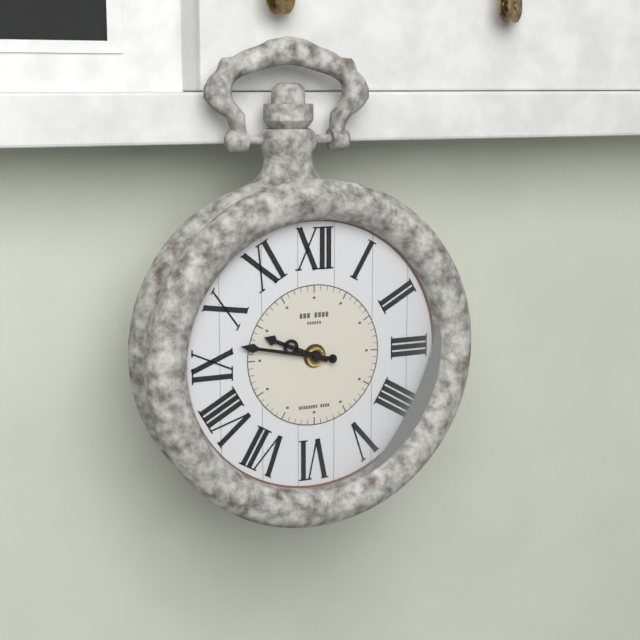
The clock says {"hour": 9, "minute": 47}
